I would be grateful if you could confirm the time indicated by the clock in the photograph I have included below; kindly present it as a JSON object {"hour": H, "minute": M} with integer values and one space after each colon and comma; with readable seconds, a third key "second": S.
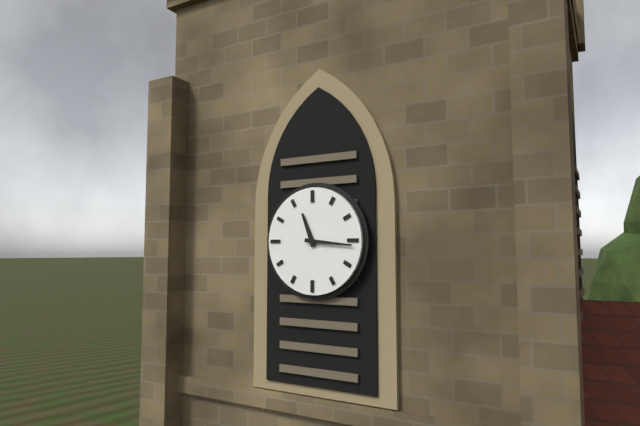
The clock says {"hour": 11, "minute": 16}
